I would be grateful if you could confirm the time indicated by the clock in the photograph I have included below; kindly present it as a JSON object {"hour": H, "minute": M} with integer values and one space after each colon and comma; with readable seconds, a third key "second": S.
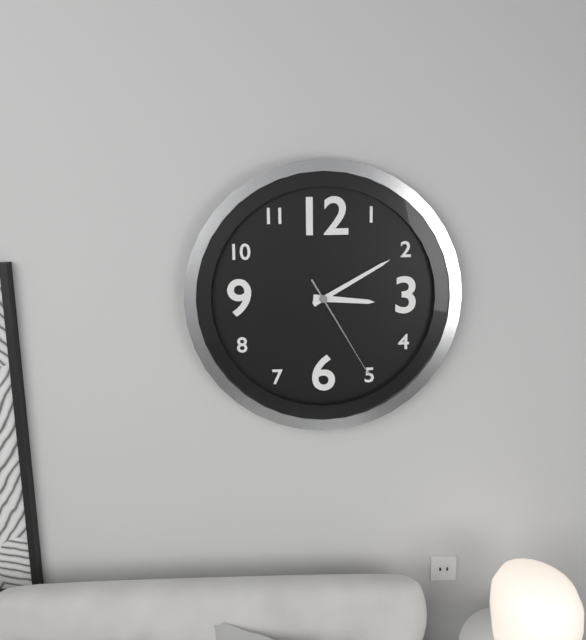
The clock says {"hour": 3, "minute": 10, "second": 25}
